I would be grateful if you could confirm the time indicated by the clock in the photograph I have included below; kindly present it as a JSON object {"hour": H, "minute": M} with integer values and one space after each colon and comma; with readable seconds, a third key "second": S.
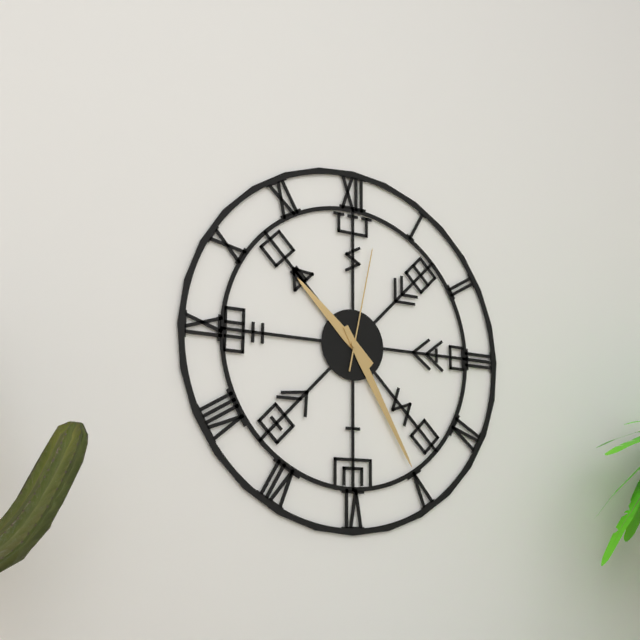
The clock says {"hour": 10, "minute": 25, "second": 2}
